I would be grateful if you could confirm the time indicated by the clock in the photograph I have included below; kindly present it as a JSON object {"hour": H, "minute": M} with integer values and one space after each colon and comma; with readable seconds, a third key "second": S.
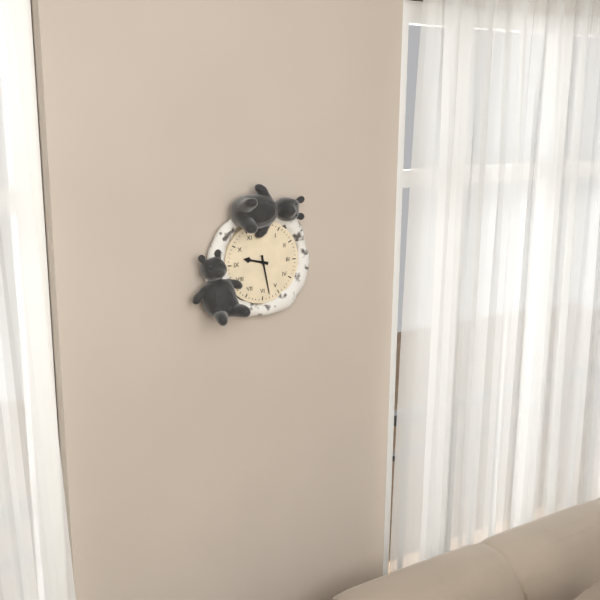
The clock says {"hour": 9, "minute": 28}
